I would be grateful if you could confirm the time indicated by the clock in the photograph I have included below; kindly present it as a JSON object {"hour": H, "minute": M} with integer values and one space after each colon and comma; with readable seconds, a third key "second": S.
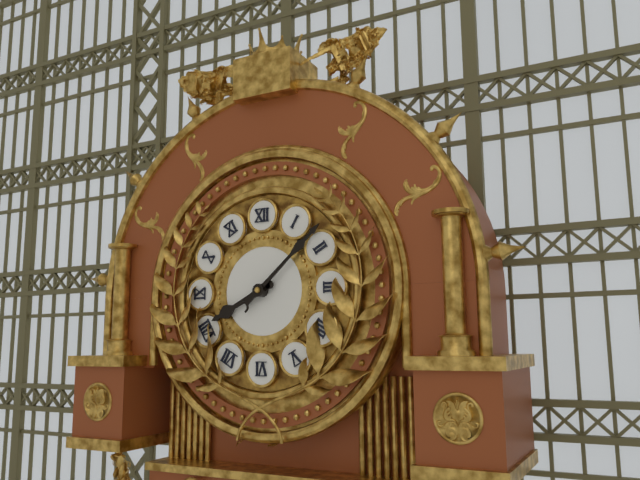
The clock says {"hour": 8, "minute": 8}
